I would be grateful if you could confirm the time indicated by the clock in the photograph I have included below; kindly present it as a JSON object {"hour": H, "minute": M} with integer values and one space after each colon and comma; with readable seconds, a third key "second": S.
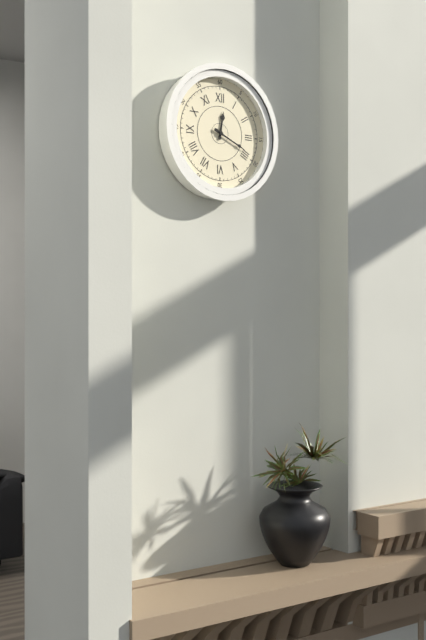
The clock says {"hour": 12, "minute": 19}
